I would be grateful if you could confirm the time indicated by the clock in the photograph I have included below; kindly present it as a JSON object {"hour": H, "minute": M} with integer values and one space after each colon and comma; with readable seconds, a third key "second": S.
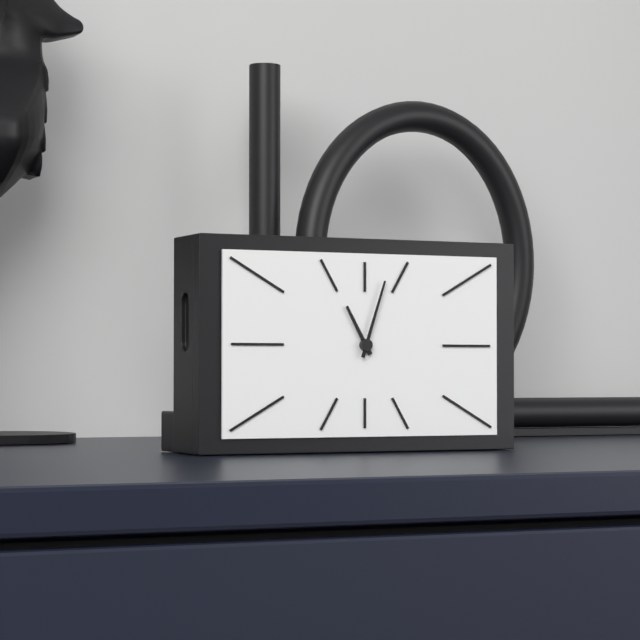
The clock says {"hour": 11, "minute": 3}
